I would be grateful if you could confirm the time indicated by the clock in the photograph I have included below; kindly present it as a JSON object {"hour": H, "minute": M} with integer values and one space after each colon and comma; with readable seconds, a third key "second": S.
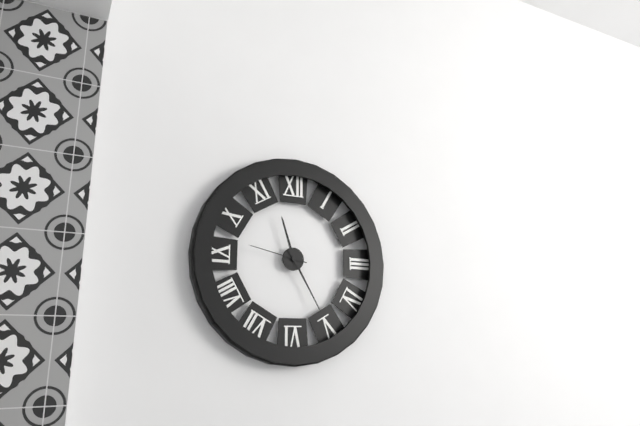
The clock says {"hour": 11, "minute": 25, "second": 47}
